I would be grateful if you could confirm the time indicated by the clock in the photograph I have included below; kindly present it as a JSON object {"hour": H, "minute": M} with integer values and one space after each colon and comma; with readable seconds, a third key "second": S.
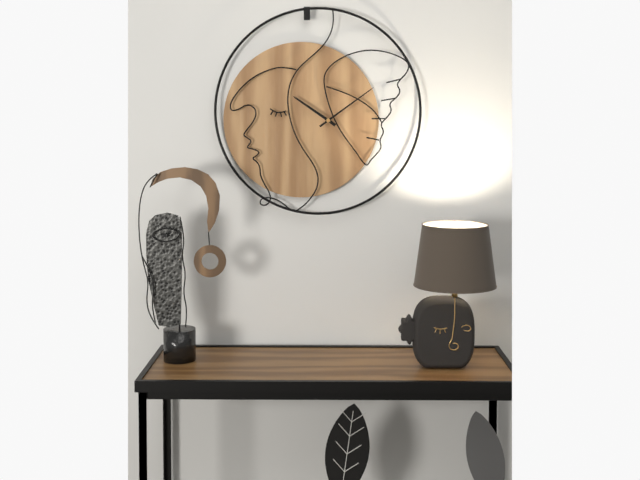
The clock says {"hour": 10, "minute": 9}
